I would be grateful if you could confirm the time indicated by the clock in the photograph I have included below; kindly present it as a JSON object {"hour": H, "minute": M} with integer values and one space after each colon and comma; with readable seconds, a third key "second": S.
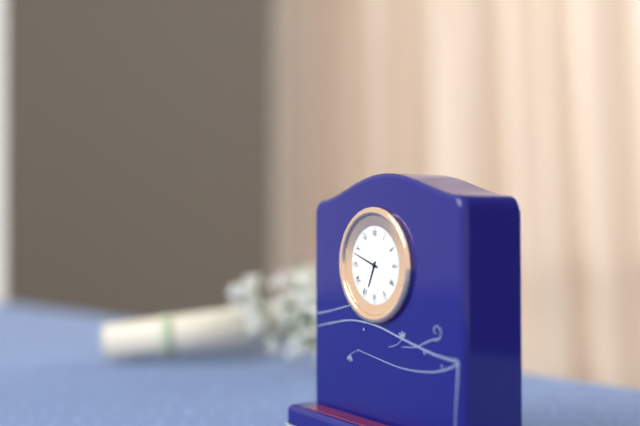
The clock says {"hour": 6, "minute": 48}
